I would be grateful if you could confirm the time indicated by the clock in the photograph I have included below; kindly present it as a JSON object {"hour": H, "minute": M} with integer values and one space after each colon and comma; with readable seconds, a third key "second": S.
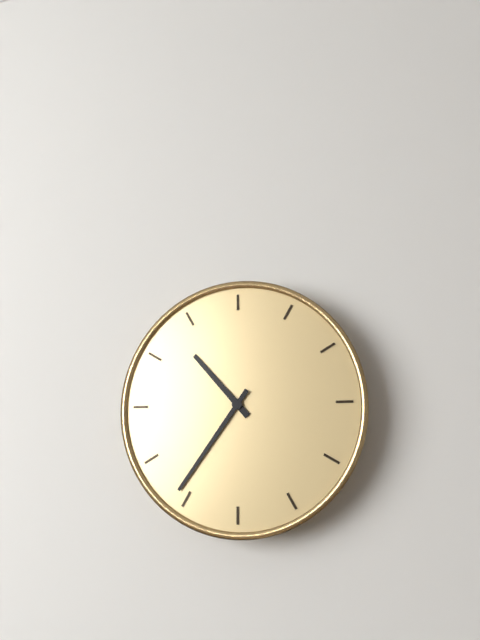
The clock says {"hour": 10, "minute": 36}
